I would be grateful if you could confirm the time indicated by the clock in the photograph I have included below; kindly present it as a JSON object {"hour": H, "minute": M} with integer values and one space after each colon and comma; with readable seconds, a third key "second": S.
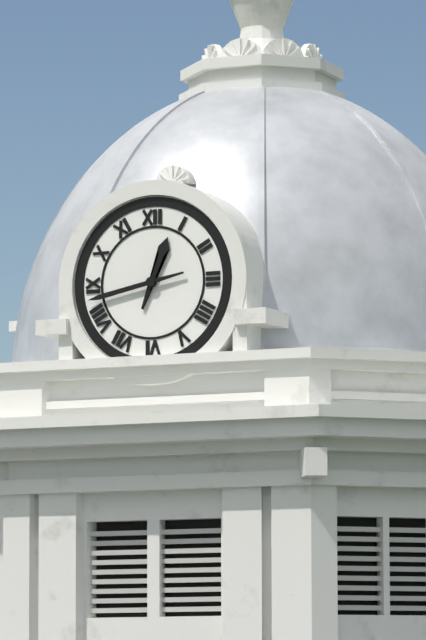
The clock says {"hour": 12, "minute": 43}
